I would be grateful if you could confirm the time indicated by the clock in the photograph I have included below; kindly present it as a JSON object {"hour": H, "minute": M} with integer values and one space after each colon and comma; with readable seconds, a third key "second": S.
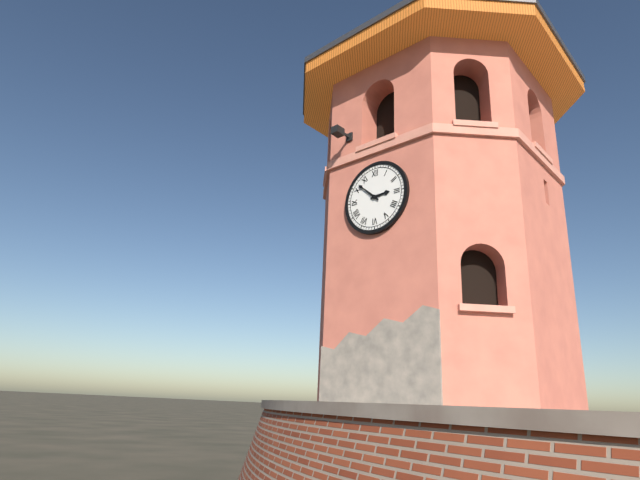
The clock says {"hour": 2, "minute": 52}
